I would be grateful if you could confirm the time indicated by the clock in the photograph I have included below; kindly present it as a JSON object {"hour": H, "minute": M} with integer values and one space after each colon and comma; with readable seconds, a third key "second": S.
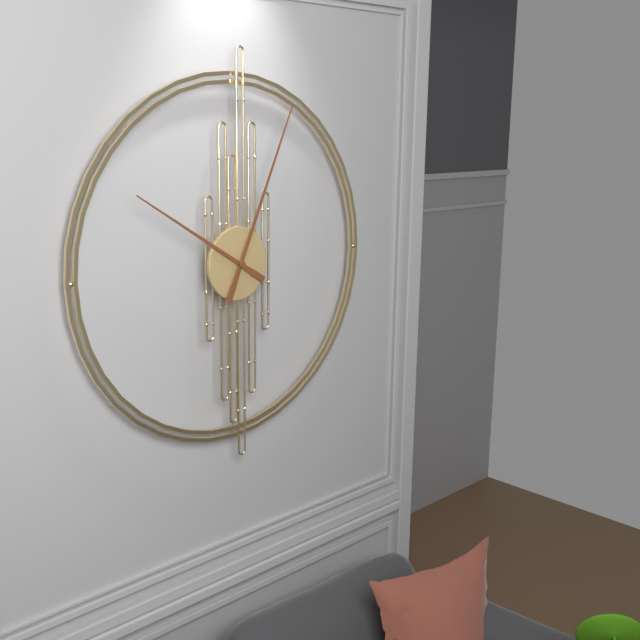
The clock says {"hour": 10, "minute": 4}
